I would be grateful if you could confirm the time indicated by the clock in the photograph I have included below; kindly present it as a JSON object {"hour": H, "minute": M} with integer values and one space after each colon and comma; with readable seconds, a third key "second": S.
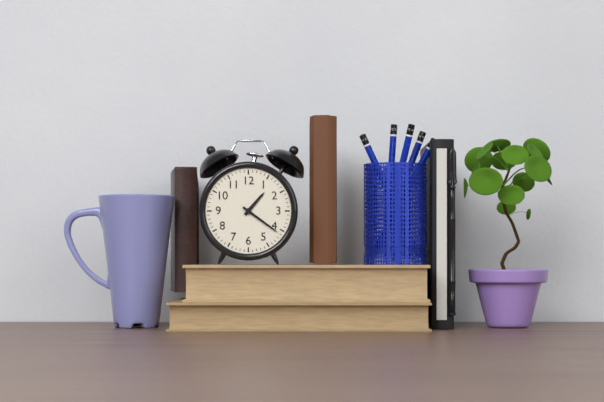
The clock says {"hour": 1, "minute": 21}
